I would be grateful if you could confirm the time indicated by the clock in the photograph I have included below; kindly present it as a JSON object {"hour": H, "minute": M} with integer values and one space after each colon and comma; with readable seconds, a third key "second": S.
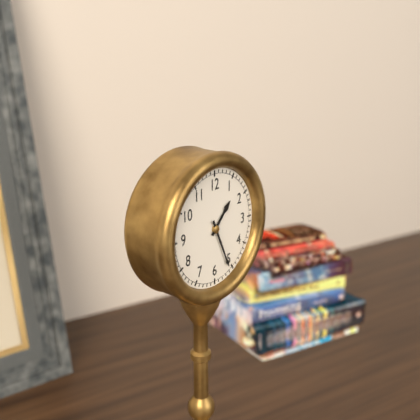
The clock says {"hour": 1, "minute": 26}
